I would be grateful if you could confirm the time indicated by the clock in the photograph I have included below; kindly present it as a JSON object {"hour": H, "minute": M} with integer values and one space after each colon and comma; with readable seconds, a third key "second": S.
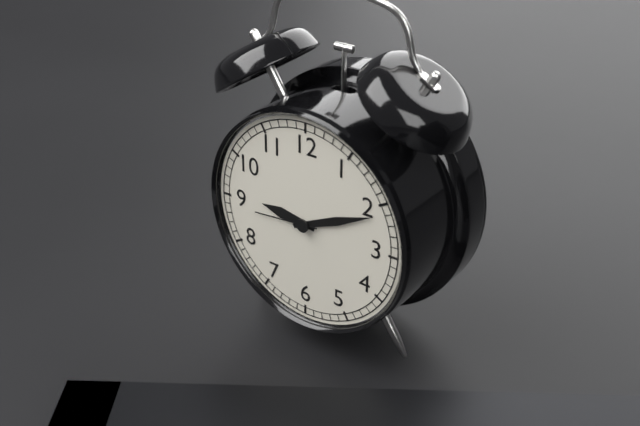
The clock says {"hour": 9, "minute": 11, "second": 44}
